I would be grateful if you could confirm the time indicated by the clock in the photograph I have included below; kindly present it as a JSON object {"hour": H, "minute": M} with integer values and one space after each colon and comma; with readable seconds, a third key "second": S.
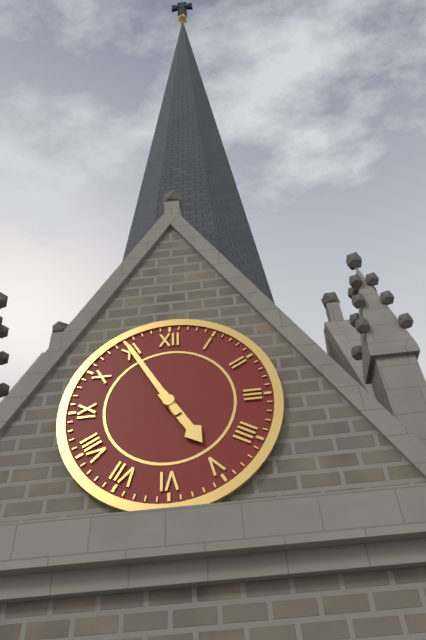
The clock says {"hour": 4, "minute": 55}
